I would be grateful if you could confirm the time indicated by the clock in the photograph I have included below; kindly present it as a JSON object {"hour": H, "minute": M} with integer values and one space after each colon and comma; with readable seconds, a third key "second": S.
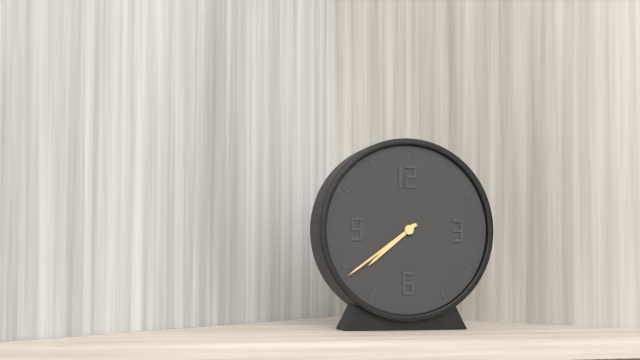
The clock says {"hour": 7, "minute": 39}
